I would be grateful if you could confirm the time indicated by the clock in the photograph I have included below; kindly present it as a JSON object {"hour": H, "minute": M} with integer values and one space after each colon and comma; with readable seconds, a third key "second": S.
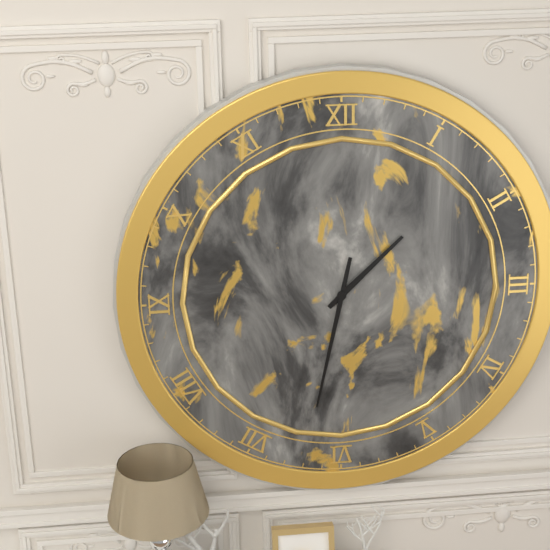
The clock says {"hour": 1, "minute": 32}
